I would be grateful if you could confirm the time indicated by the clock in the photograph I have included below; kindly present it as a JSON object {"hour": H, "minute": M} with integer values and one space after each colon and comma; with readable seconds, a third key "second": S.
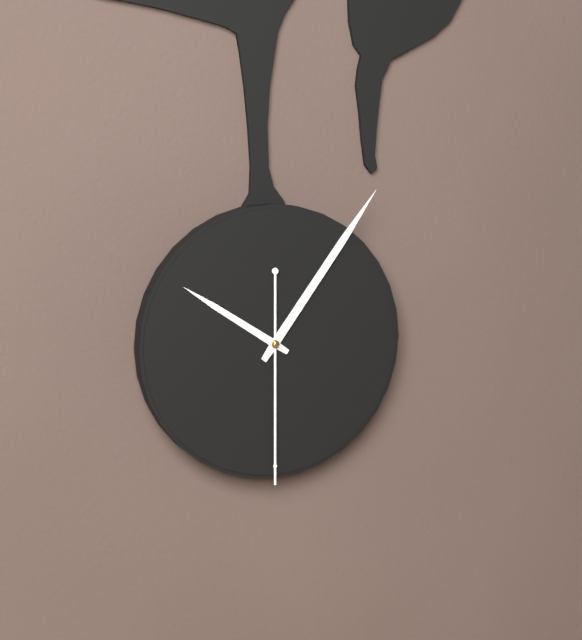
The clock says {"hour": 10, "minute": 6, "second": 30}
